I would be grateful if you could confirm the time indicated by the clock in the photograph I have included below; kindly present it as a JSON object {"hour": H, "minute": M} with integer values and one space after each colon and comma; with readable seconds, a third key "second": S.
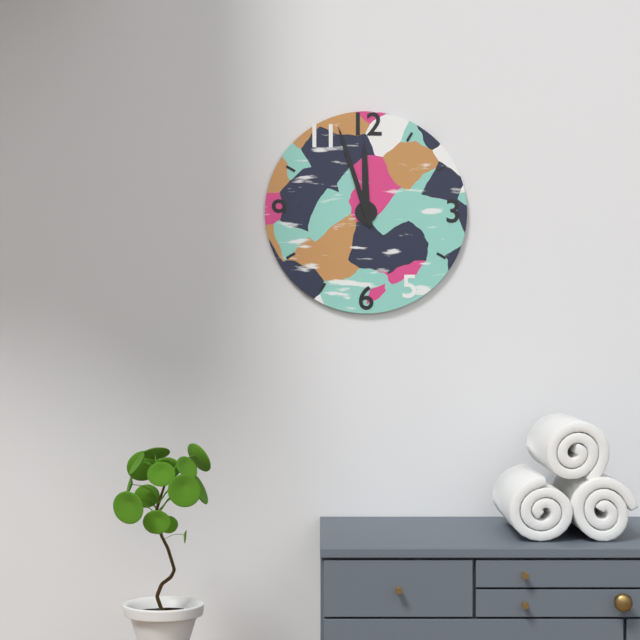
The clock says {"hour": 11, "minute": 57}
